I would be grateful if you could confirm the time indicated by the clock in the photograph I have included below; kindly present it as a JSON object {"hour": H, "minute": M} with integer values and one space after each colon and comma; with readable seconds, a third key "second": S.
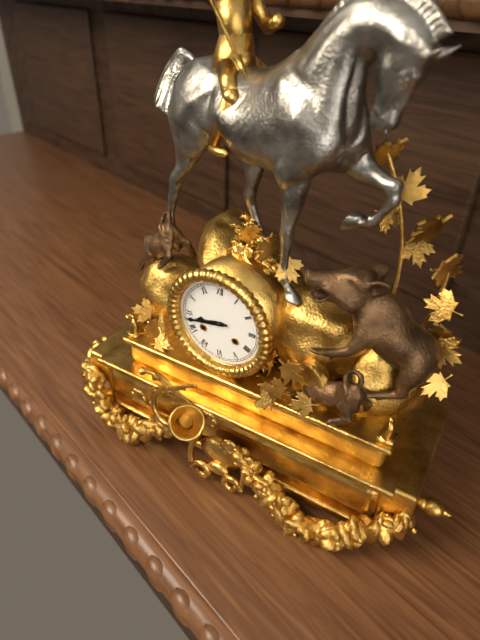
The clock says {"hour": 8, "minute": 43}
